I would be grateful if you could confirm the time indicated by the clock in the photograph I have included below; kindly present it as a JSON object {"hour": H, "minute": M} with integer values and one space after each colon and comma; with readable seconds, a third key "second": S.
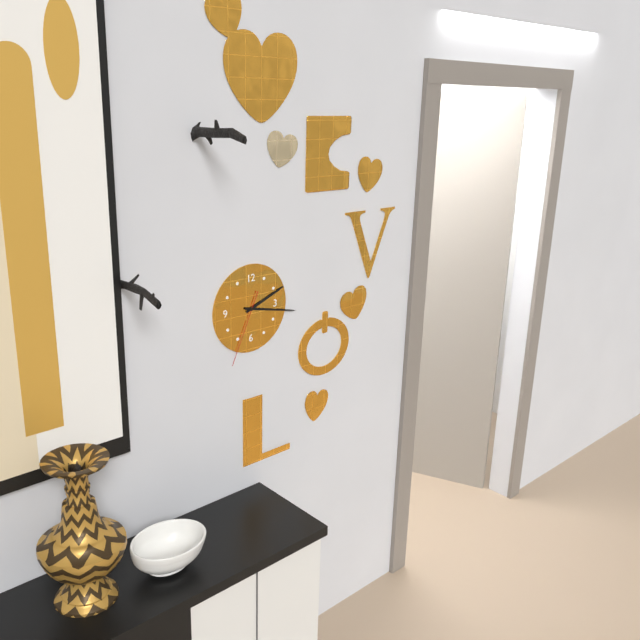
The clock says {"hour": 2, "minute": 17, "second": 34}
